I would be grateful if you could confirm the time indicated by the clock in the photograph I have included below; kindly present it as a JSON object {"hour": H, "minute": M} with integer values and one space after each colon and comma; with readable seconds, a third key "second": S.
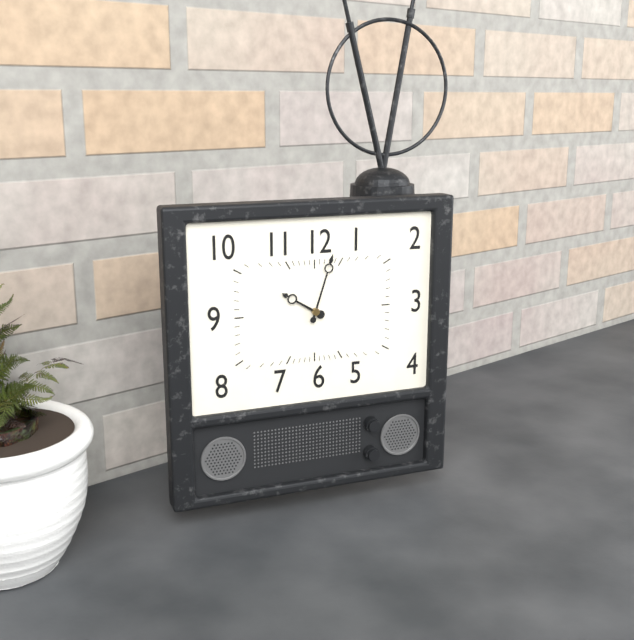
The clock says {"hour": 10, "minute": 3}
